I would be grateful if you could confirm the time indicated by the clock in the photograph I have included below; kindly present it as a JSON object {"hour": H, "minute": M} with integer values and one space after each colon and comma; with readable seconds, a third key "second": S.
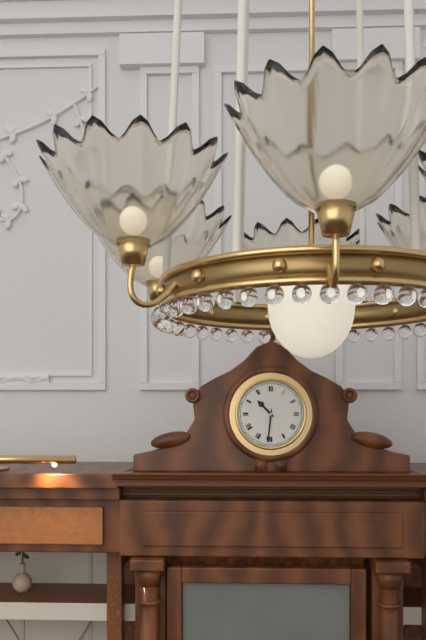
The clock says {"hour": 10, "minute": 31}
